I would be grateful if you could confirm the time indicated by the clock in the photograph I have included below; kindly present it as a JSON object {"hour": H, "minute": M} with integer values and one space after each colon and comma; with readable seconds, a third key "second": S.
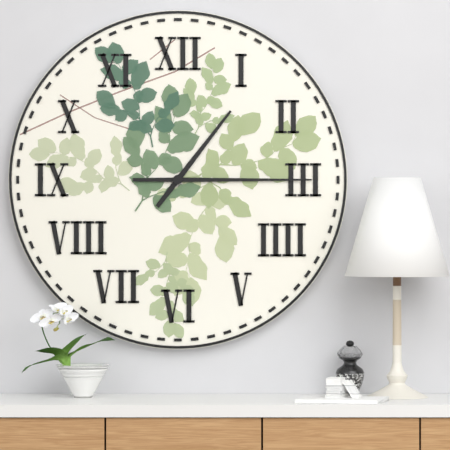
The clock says {"hour": 1, "minute": 15}
